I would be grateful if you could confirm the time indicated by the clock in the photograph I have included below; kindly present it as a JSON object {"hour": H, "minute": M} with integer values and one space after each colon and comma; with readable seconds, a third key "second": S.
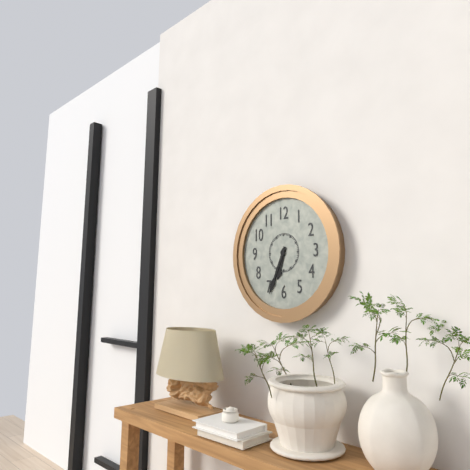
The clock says {"hour": 6, "minute": 34}
